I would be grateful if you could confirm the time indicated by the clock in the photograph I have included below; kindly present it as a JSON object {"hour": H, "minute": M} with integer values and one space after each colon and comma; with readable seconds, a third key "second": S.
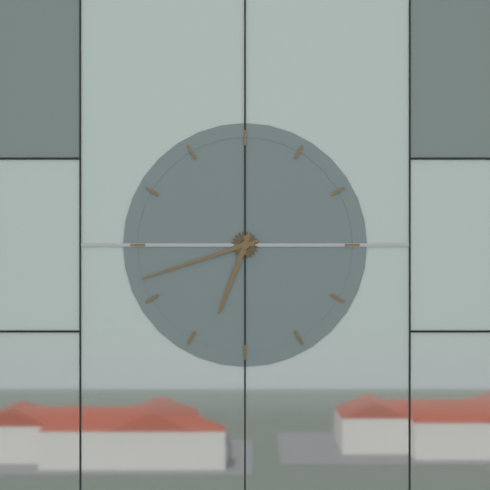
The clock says {"hour": 6, "minute": 42}
